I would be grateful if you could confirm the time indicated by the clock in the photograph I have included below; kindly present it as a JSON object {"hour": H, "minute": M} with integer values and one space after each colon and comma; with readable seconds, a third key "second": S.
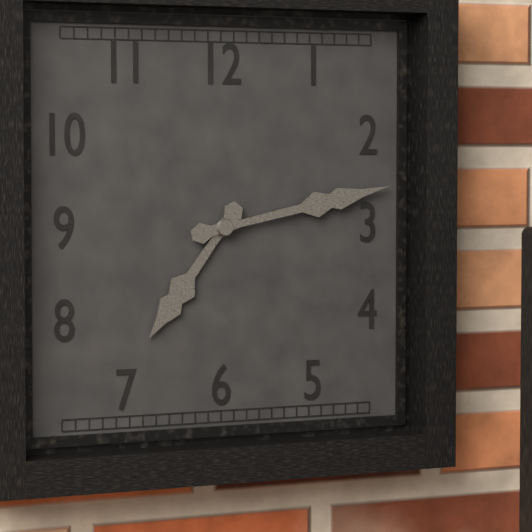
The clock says {"hour": 7, "minute": 13}
